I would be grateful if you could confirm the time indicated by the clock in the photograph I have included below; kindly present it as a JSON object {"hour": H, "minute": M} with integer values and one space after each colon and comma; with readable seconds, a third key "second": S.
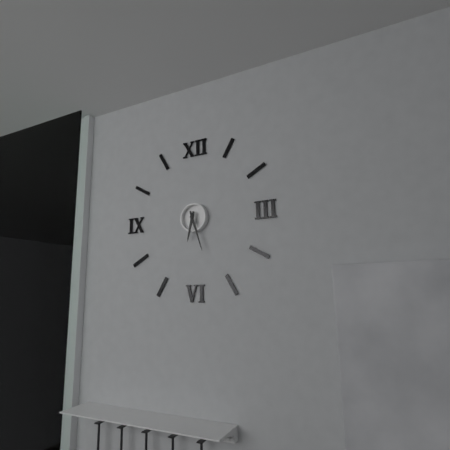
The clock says {"hour": 6, "minute": 27}
